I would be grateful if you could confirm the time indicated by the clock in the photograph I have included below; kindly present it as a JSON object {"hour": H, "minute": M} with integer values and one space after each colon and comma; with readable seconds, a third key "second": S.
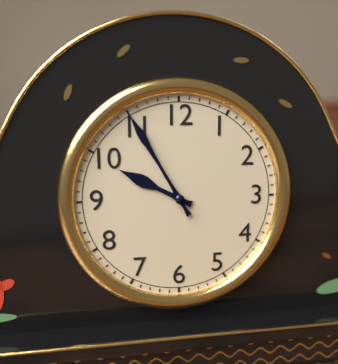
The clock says {"hour": 9, "minute": 55}
